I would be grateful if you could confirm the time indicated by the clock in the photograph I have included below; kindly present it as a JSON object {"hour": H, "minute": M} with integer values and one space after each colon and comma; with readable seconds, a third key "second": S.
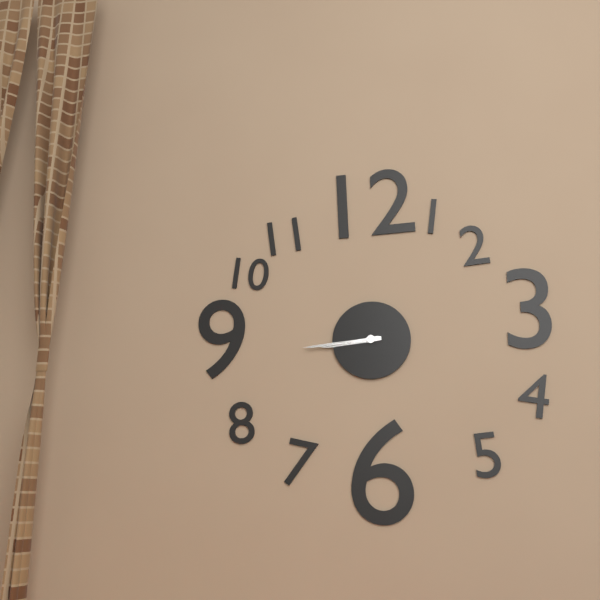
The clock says {"hour": 8, "minute": 44}
